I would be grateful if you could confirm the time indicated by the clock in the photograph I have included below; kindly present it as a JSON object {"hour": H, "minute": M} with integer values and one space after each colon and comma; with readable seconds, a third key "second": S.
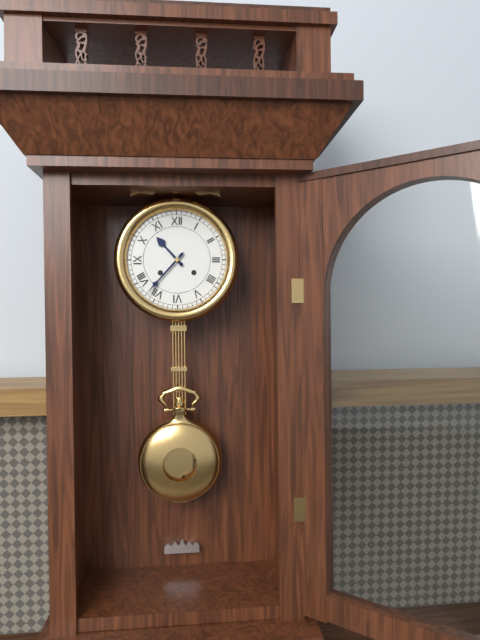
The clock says {"hour": 10, "minute": 37}
